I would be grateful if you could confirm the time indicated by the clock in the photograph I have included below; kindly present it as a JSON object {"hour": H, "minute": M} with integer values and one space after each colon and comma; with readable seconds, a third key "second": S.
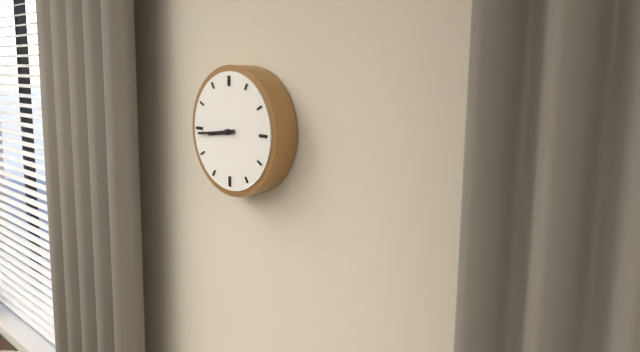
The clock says {"hour": 8, "minute": 44}
